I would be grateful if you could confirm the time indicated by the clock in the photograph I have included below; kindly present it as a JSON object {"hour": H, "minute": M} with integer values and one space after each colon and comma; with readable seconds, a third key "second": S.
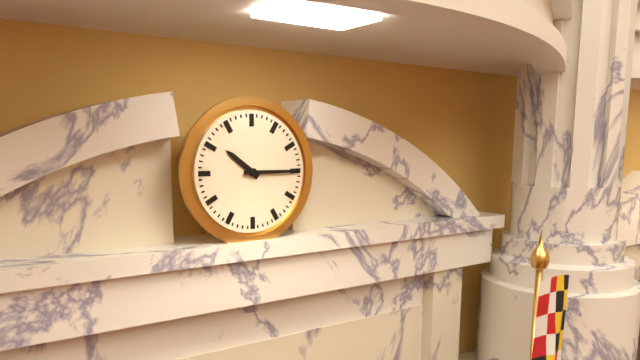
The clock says {"hour": 10, "minute": 15}
